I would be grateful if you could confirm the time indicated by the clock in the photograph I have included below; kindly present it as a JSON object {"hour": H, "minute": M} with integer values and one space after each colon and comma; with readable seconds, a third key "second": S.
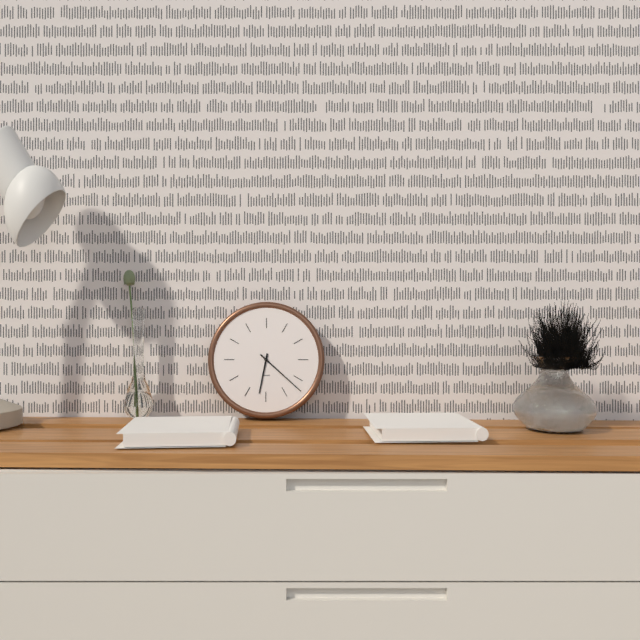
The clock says {"hour": 6, "minute": 22}
